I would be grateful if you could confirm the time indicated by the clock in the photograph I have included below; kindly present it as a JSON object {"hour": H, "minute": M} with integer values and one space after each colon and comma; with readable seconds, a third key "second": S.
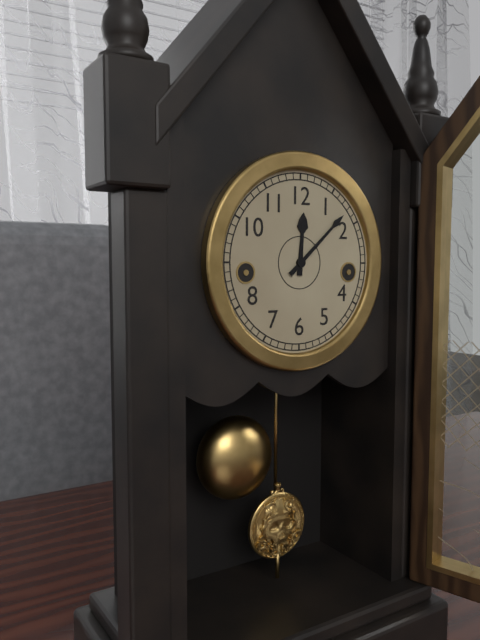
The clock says {"hour": 12, "minute": 8}
